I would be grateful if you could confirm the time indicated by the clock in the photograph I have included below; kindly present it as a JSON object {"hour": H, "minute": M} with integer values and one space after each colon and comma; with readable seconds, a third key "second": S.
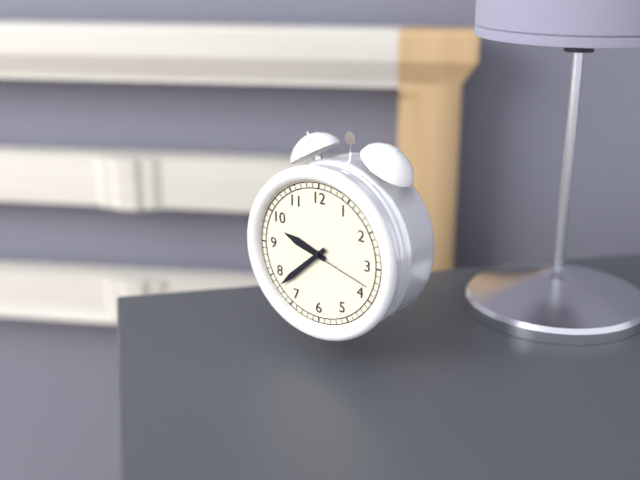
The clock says {"hour": 9, "minute": 38, "second": 18}
